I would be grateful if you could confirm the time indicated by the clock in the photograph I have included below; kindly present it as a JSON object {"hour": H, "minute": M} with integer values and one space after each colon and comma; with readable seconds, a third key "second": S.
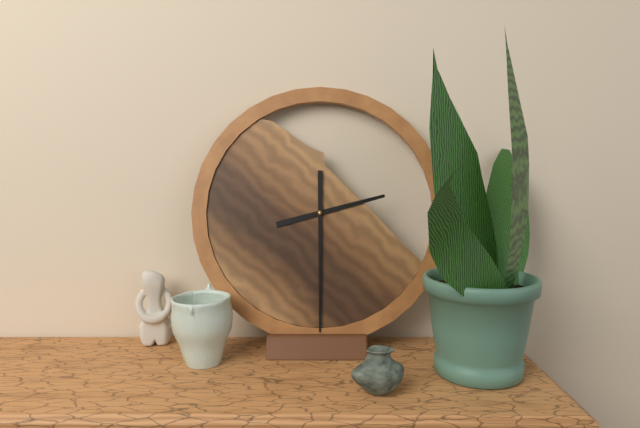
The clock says {"hour": 2, "minute": 30}
